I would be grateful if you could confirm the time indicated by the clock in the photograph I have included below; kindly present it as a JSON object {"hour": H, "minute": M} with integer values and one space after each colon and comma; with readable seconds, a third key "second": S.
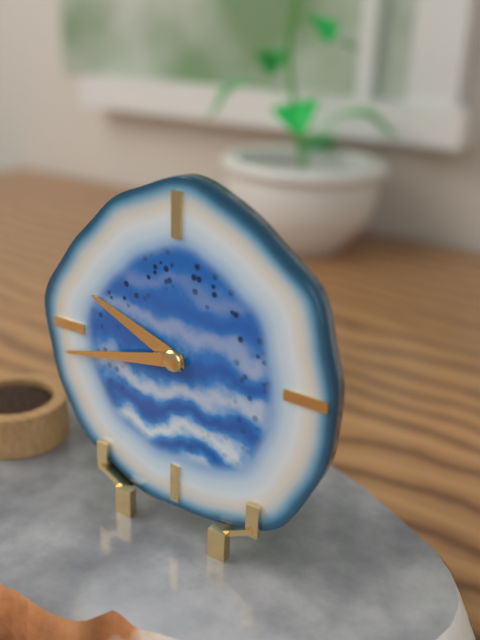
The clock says {"hour": 9, "minute": 43}
